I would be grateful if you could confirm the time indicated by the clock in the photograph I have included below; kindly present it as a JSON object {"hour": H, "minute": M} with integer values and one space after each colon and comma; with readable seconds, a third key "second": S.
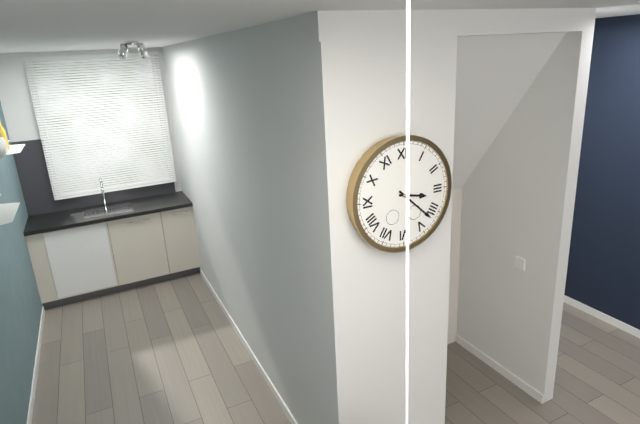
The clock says {"hour": 3, "minute": 22}
